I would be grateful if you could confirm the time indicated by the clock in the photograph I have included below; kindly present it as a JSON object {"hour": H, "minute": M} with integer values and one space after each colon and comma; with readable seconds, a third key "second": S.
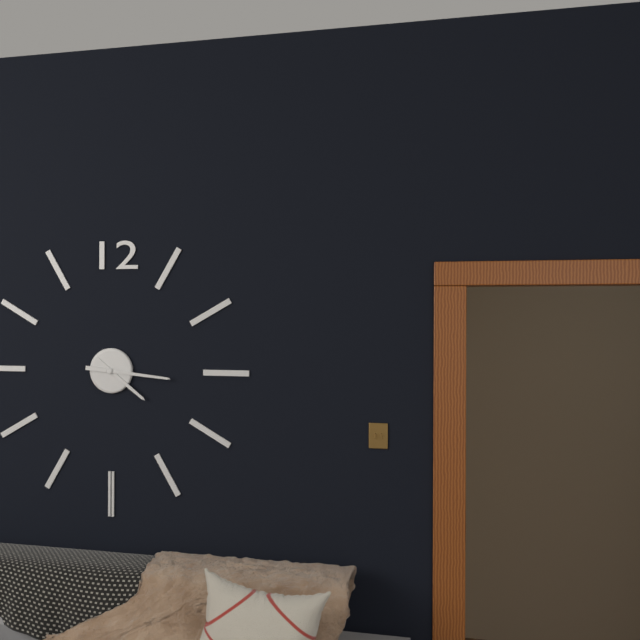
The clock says {"hour": 4, "minute": 16}
